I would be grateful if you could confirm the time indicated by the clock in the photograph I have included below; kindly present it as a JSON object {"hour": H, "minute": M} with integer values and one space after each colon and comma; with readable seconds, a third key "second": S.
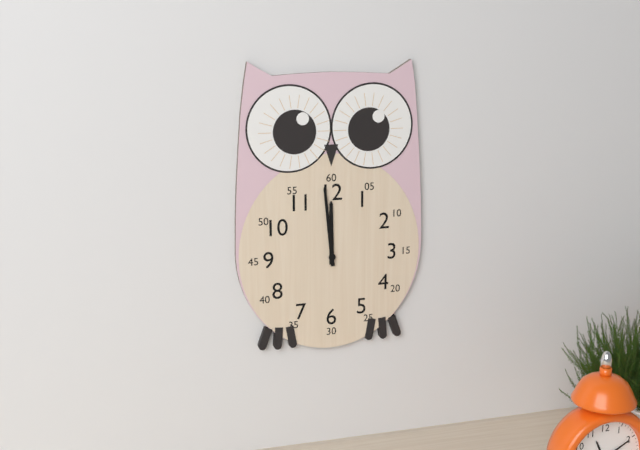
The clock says {"hour": 11, "minute": 59}
